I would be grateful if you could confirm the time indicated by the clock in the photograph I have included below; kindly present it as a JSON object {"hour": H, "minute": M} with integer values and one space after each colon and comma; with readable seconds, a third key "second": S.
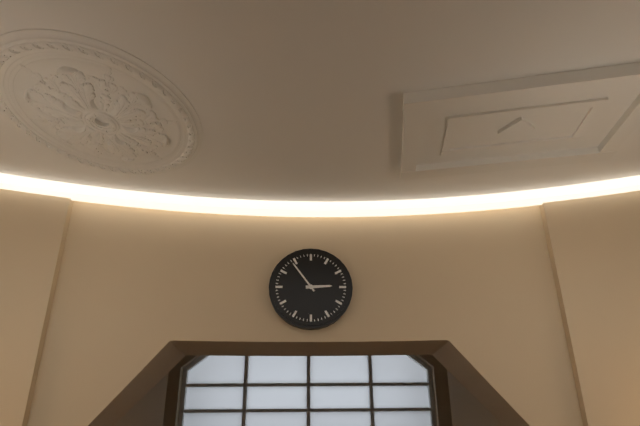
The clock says {"hour": 2, "minute": 54}
